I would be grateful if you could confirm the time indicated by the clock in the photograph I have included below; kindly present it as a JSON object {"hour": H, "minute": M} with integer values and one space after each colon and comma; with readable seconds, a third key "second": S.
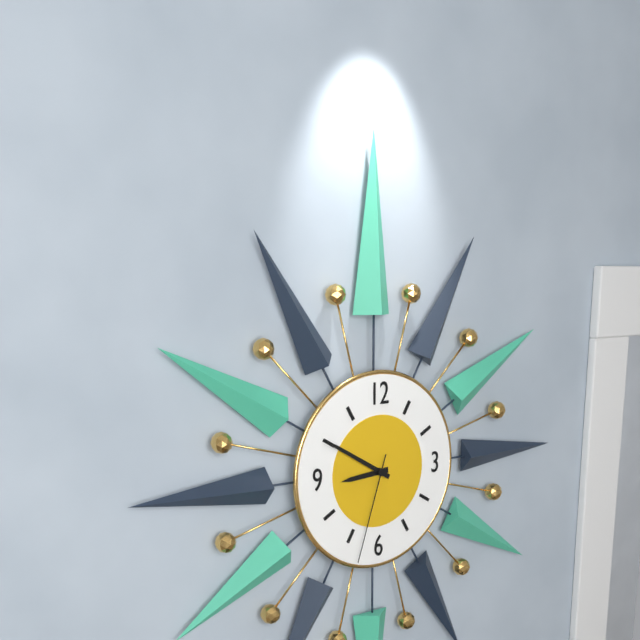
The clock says {"hour": 8, "minute": 50, "second": 33}
